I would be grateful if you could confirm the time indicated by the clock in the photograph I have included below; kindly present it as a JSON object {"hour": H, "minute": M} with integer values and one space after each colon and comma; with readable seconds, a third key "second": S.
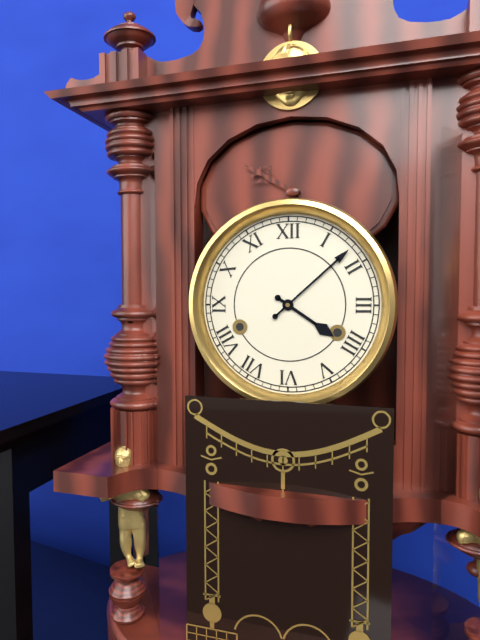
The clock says {"hour": 4, "minute": 8}
